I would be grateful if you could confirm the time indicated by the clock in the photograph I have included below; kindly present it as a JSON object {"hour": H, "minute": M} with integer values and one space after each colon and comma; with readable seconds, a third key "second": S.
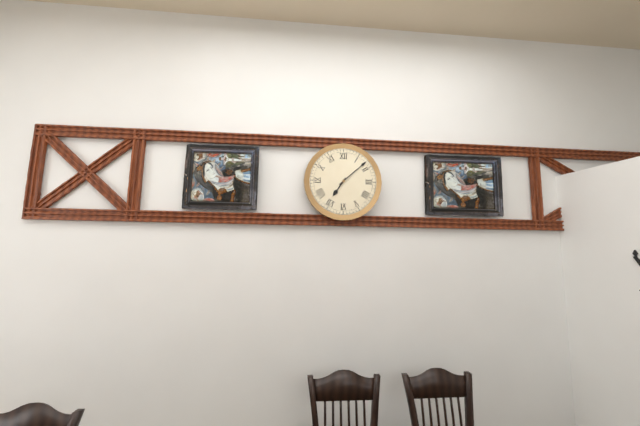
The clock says {"hour": 7, "minute": 8}
